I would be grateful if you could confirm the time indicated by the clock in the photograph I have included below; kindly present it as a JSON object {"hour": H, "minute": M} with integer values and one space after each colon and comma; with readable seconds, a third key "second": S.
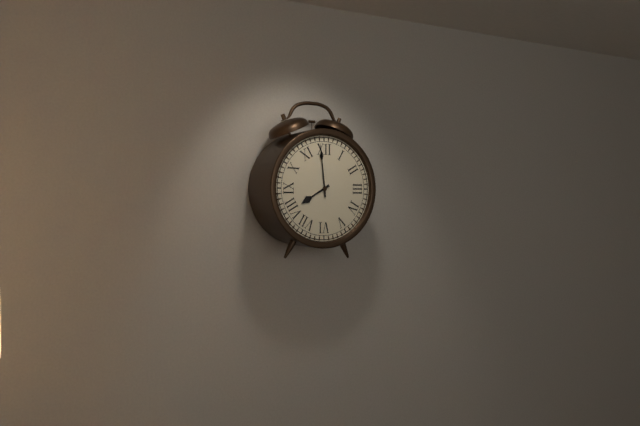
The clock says {"hour": 7, "minute": 59}
